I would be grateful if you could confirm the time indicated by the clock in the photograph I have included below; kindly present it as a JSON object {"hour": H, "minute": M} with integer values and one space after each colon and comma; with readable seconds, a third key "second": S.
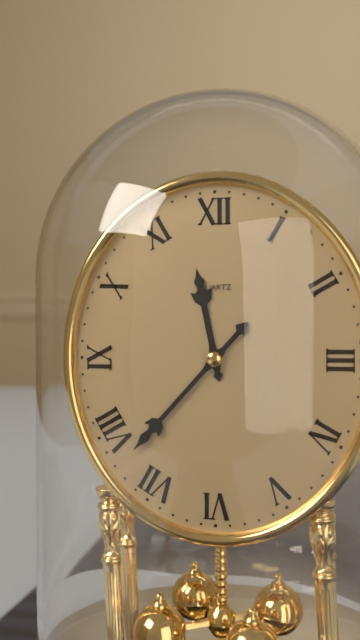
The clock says {"hour": 11, "minute": 37}
